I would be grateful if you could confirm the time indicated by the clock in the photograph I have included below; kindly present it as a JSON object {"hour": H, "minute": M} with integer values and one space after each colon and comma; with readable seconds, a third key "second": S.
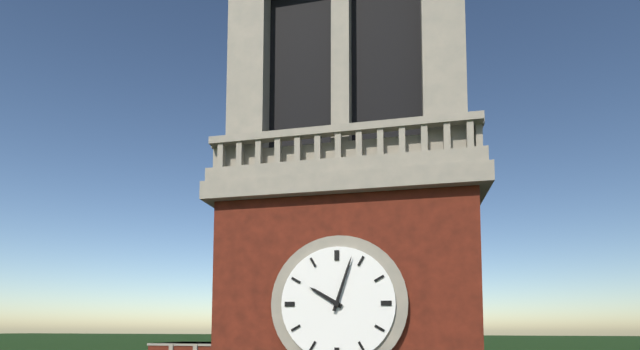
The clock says {"hour": 10, "minute": 3}
